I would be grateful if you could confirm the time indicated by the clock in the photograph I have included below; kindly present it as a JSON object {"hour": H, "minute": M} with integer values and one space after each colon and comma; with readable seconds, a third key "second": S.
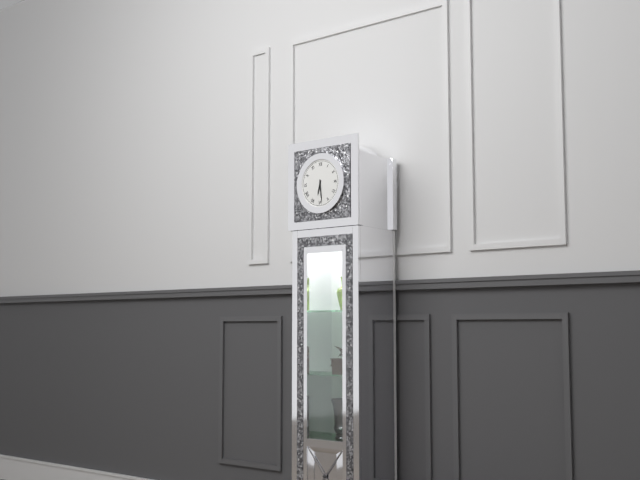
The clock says {"hour": 6, "minute": 29}
